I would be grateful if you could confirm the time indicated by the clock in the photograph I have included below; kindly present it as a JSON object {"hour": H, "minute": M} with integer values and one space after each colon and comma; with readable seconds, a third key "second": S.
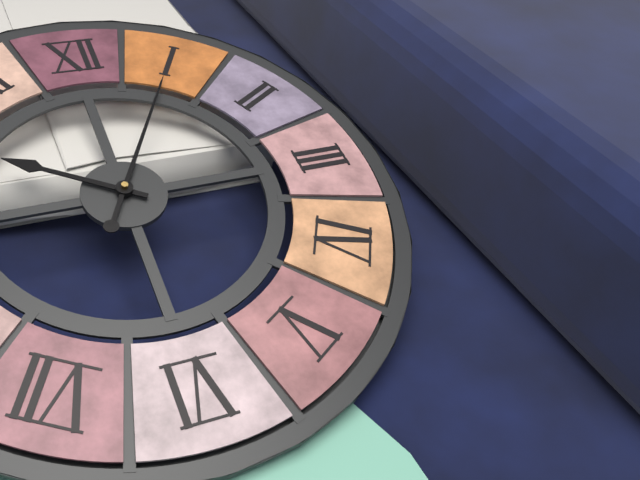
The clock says {"hour": 10, "minute": 5}
